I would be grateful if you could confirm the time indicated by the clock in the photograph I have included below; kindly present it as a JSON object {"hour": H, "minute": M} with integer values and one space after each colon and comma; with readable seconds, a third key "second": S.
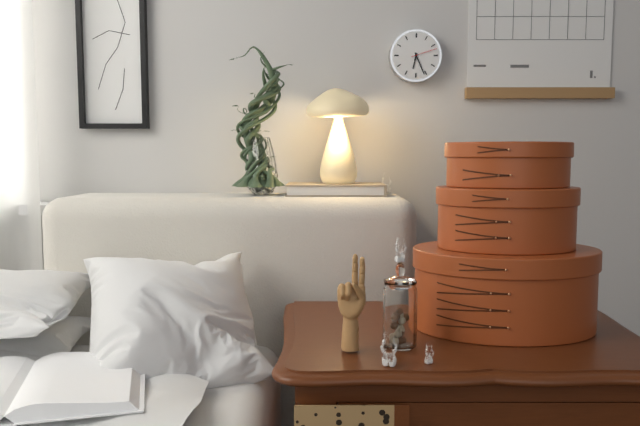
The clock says {"hour": 6, "minute": 26}
